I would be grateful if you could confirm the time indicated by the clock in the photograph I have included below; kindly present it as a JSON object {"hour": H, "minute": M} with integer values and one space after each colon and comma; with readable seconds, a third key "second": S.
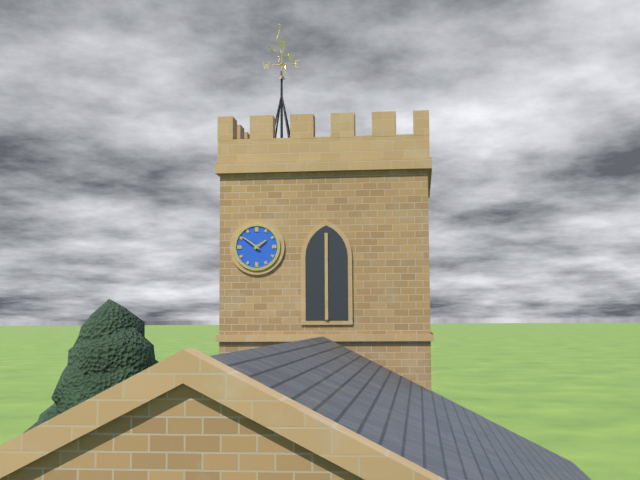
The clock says {"hour": 1, "minute": 51}
